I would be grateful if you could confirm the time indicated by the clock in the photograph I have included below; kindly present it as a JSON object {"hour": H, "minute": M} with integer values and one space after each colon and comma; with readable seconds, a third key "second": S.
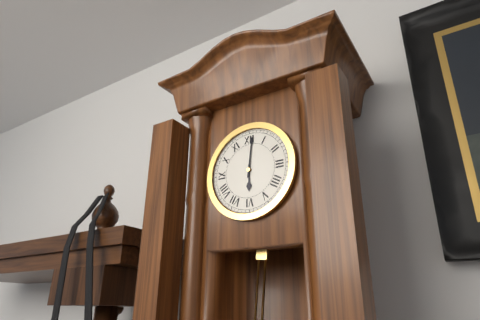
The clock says {"hour": 6, "minute": 1}
